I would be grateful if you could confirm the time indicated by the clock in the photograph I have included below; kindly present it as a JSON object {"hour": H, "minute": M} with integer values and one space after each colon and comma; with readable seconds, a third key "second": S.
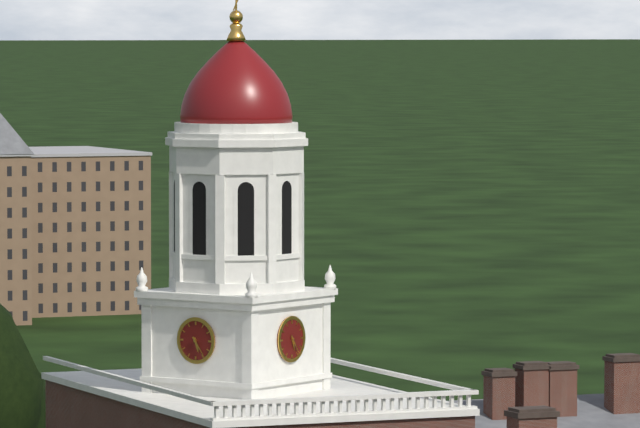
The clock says {"hour": 5, "minute": 24}
